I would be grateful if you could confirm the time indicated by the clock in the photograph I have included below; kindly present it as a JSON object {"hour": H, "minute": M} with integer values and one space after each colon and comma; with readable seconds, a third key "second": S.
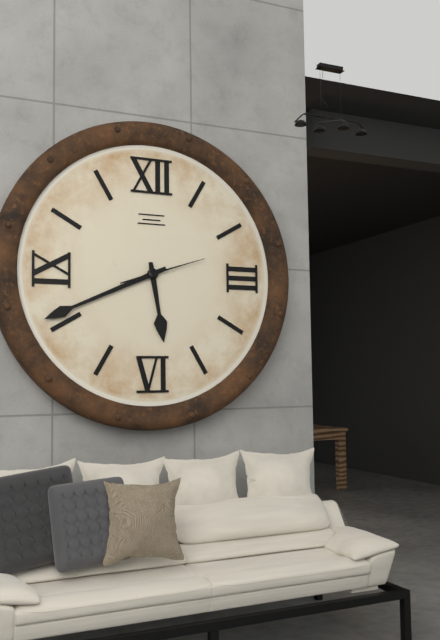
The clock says {"hour": 5, "minute": 41, "second": 12}
